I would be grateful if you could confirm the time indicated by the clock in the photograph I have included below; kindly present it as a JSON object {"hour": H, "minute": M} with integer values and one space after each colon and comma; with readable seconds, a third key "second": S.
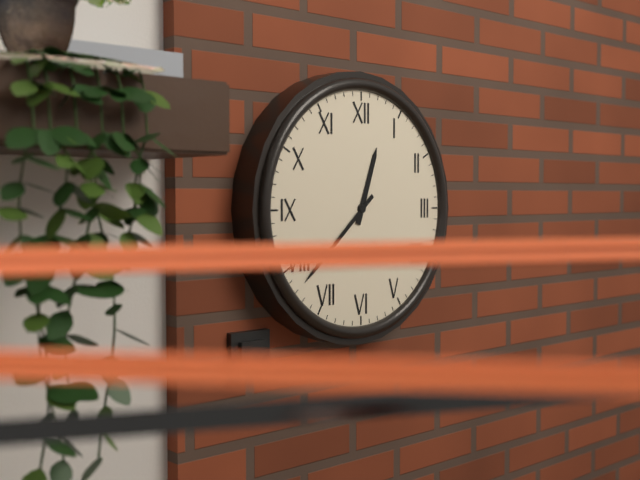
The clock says {"hour": 12, "minute": 38}
